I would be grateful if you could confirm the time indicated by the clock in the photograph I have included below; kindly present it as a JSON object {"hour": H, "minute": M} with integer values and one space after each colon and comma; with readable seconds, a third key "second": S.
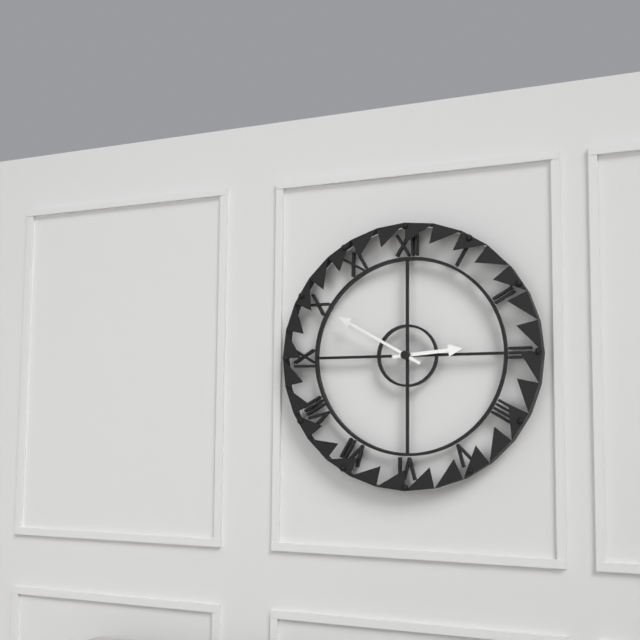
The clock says {"hour": 2, "minute": 50}
